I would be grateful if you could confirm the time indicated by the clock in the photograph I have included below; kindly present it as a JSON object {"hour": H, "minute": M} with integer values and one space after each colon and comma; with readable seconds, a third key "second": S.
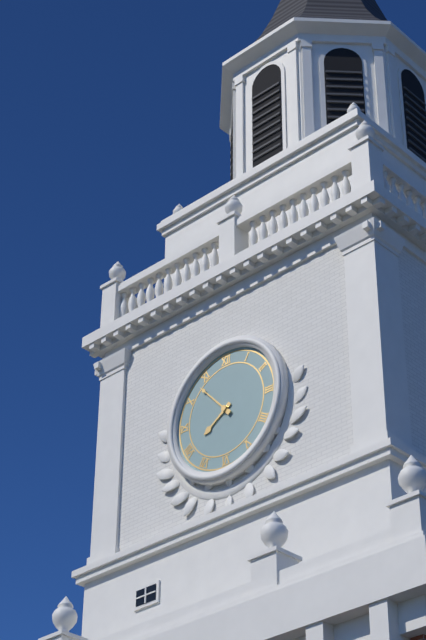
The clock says {"hour": 7, "minute": 53}
